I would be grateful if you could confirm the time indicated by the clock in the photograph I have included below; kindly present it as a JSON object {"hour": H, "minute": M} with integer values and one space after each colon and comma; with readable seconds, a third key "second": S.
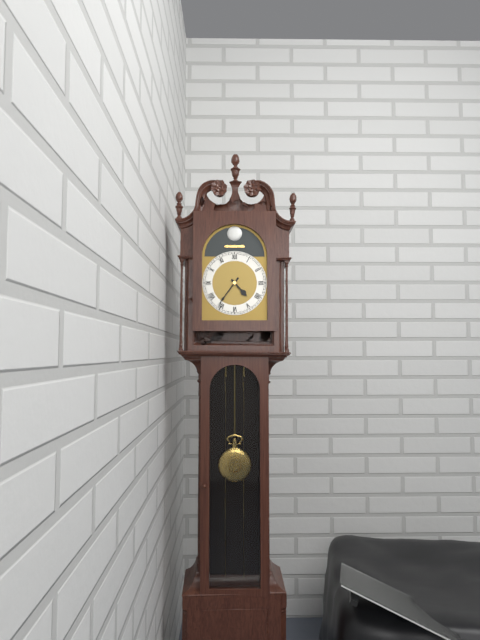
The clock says {"hour": 4, "minute": 36}
